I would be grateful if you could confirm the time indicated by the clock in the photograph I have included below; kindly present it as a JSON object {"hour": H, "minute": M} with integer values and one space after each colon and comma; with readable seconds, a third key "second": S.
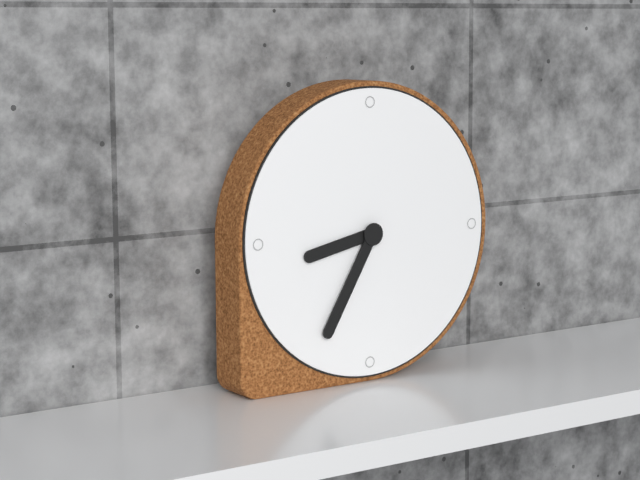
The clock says {"hour": 8, "minute": 35}
